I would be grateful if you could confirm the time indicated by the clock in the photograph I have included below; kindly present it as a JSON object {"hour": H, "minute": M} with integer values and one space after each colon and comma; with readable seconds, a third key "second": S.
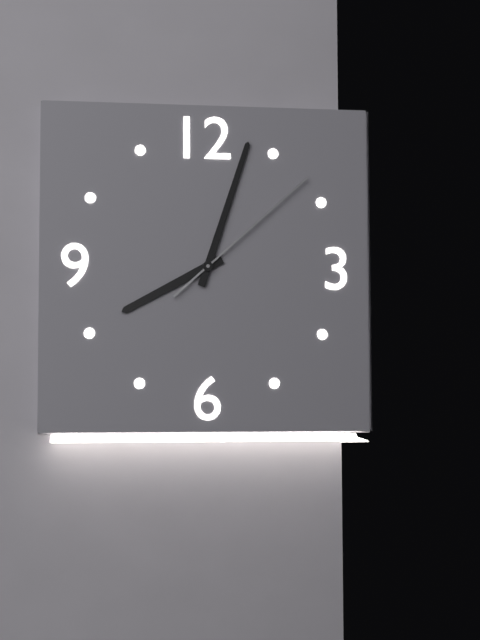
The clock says {"hour": 8, "minute": 3, "second": 8}
